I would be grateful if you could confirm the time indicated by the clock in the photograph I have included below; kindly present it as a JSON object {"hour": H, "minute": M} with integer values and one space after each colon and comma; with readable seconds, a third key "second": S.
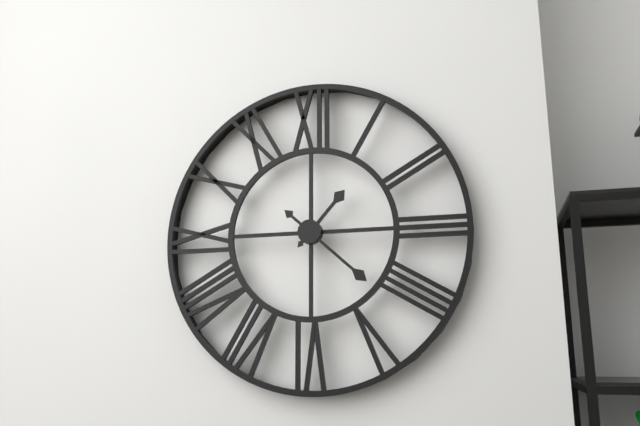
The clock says {"hour": 1, "minute": 22}
